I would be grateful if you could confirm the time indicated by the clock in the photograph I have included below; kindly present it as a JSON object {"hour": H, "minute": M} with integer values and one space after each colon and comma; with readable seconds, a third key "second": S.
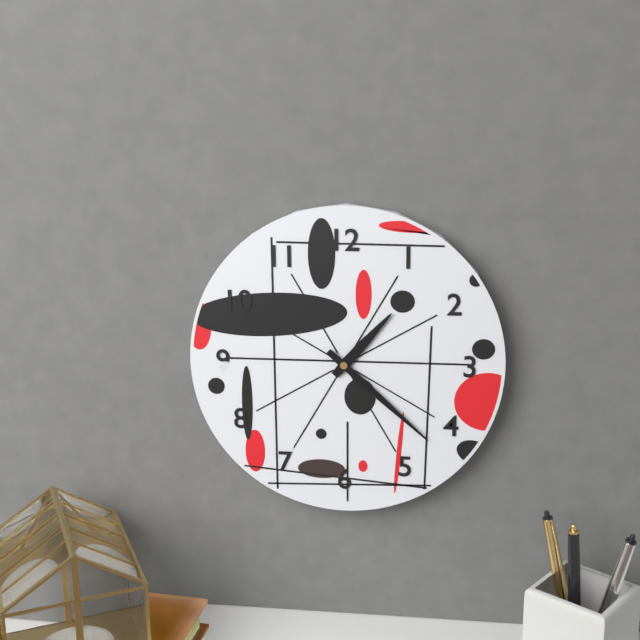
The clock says {"hour": 1, "minute": 22}
